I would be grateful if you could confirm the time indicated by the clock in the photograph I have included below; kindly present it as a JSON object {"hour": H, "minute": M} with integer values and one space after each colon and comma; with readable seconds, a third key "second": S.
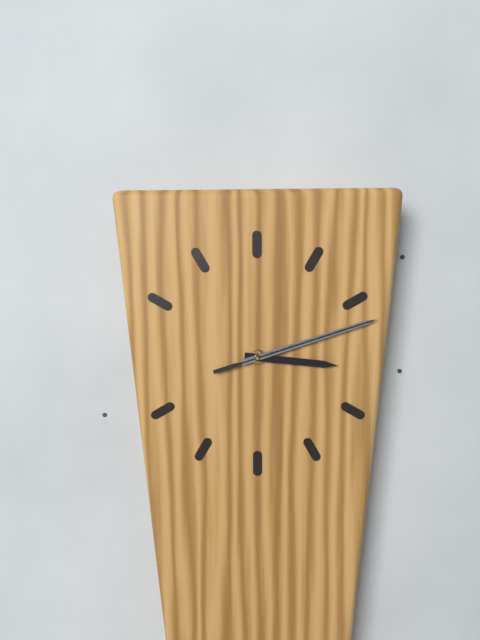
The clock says {"hour": 3, "minute": 12, "second": 12}
